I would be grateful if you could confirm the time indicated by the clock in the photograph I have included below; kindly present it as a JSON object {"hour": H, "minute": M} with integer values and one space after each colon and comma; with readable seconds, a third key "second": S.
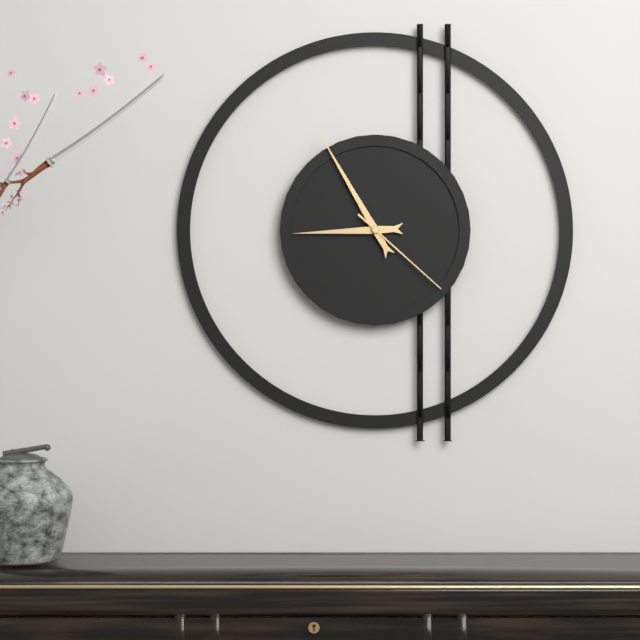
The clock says {"hour": 8, "minute": 55, "second": 22}
